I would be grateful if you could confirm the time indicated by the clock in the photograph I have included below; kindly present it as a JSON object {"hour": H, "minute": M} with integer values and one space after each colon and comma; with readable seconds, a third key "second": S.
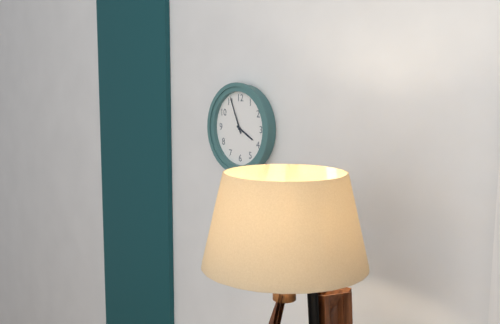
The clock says {"hour": 3, "minute": 56}
